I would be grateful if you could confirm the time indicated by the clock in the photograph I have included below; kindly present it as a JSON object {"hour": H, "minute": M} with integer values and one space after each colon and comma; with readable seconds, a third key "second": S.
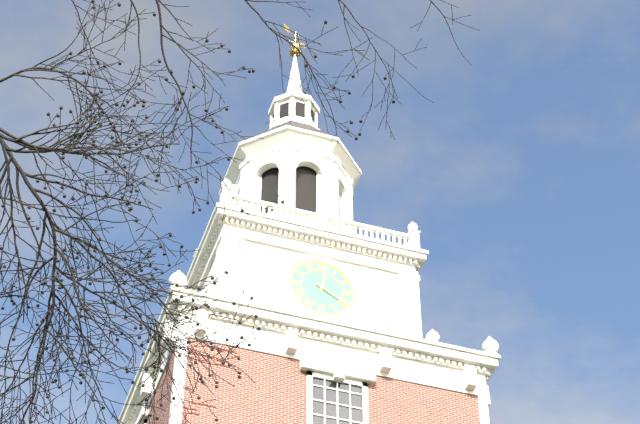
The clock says {"hour": 12, "minute": 20}
